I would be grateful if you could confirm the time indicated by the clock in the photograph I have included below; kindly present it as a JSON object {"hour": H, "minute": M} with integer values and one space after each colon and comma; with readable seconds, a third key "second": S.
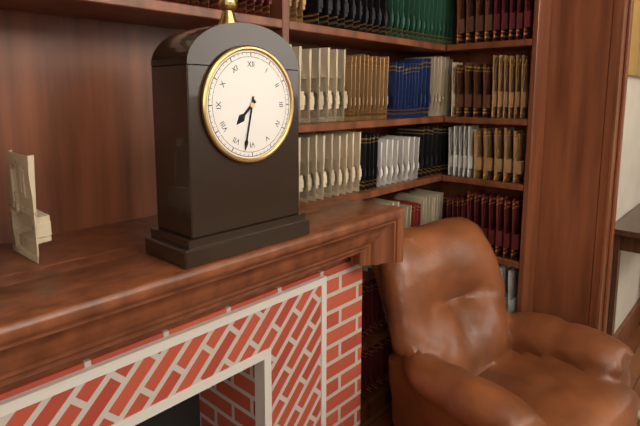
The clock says {"hour": 7, "minute": 32}
